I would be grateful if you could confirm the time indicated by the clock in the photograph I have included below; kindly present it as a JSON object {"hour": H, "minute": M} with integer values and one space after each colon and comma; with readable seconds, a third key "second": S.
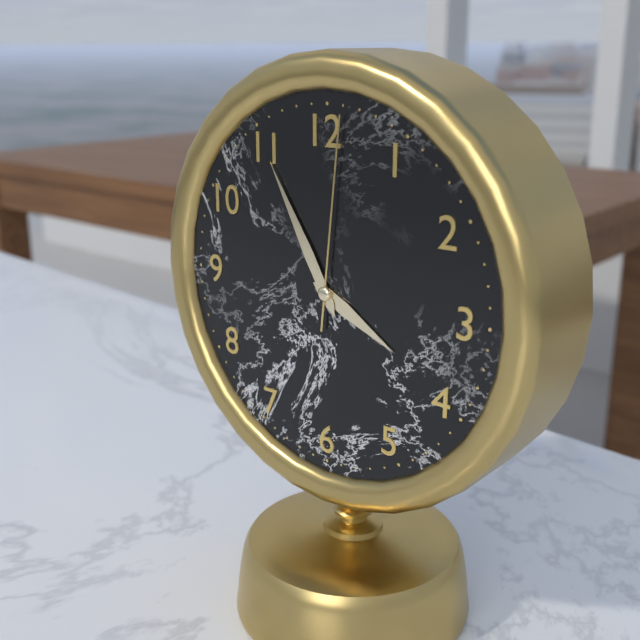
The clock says {"hour": 3, "minute": 55, "second": 1}
